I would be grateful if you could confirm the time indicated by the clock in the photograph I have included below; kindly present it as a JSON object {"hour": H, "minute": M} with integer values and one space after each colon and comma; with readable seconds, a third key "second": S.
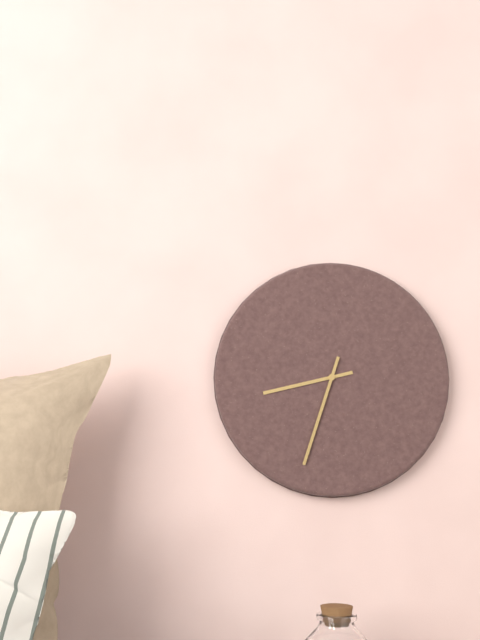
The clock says {"hour": 8, "minute": 33}
